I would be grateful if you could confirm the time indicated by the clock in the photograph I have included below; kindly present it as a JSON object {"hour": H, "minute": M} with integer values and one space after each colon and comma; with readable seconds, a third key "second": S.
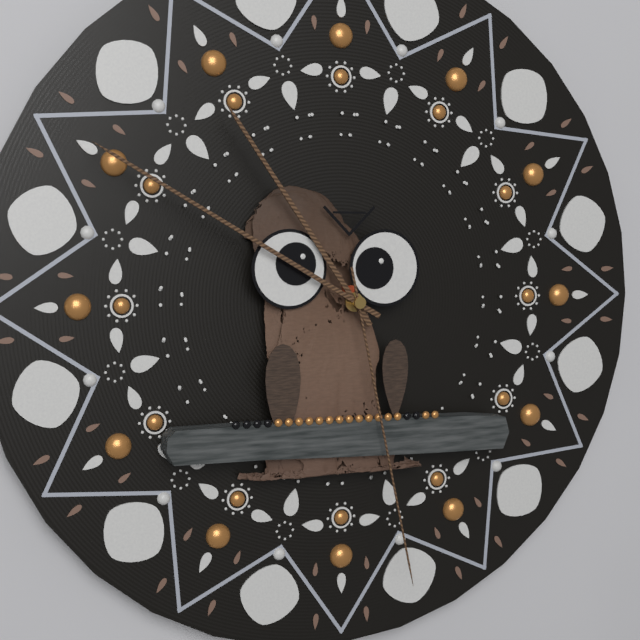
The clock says {"hour": 10, "minute": 50, "second": 28}
